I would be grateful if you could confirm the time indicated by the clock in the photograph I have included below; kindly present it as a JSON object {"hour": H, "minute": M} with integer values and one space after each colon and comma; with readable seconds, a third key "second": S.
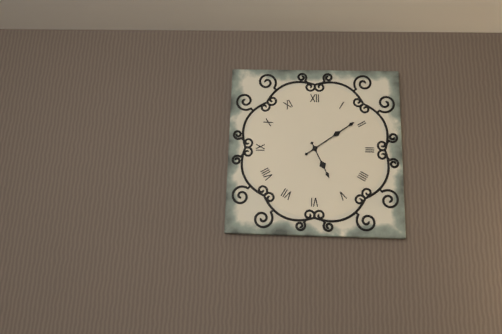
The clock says {"hour": 5, "minute": 9}
